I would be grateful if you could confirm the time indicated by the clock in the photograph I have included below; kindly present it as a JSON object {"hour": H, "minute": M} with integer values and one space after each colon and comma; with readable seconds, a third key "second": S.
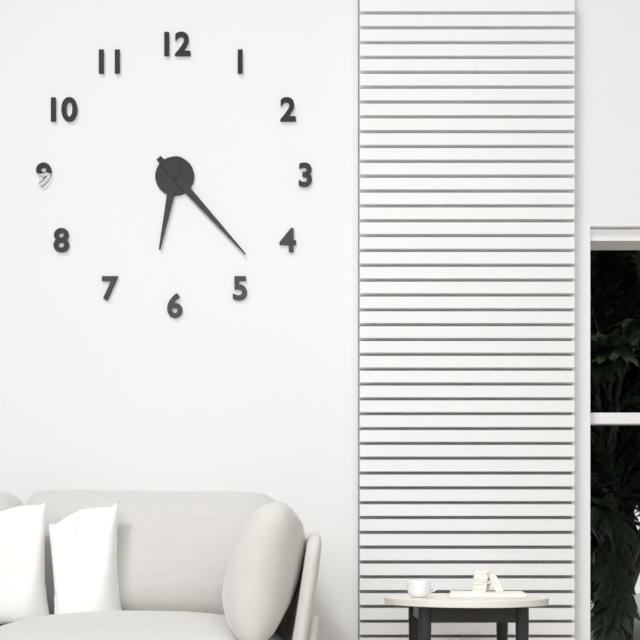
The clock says {"hour": 6, "minute": 23}
